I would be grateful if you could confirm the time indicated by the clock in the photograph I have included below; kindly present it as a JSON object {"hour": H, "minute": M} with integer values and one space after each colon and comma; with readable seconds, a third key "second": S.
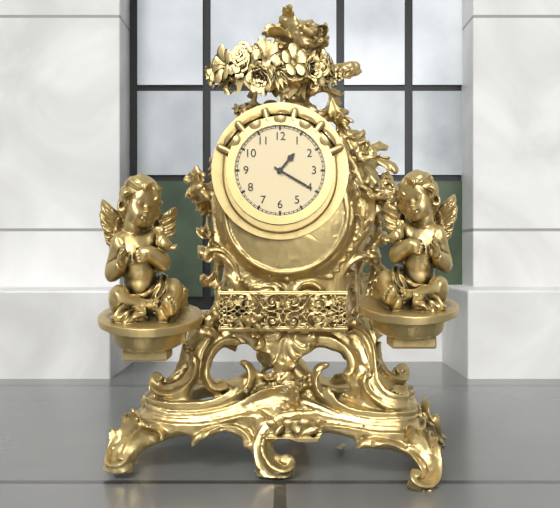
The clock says {"hour": 1, "minute": 20}
